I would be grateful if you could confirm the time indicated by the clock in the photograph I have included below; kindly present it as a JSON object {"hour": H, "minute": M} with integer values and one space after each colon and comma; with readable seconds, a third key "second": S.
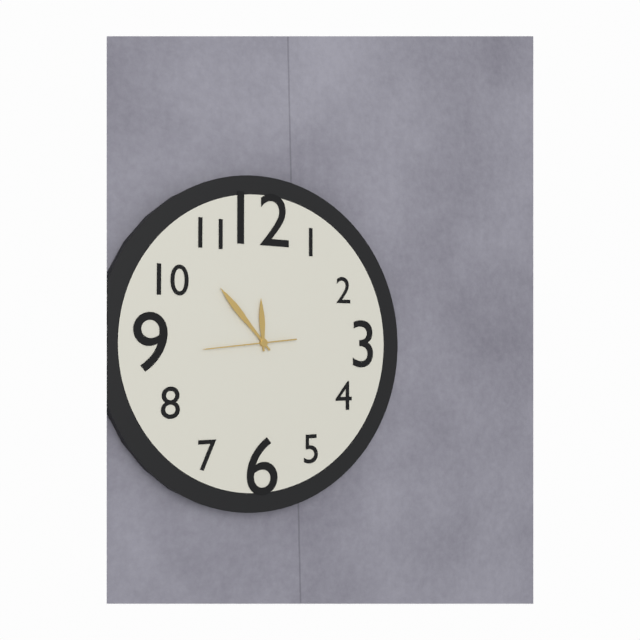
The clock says {"hour": 11, "minute": 53, "second": 44}
